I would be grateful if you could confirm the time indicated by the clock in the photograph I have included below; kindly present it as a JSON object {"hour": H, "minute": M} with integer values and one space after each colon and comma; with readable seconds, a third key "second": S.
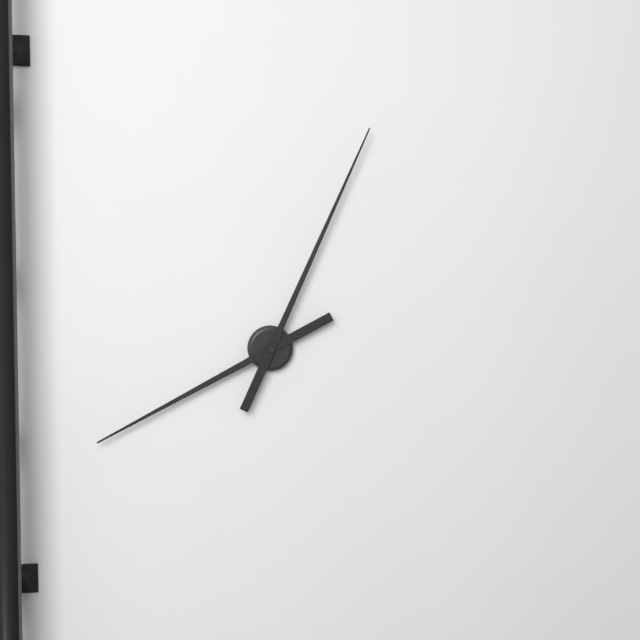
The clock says {"hour": 8, "minute": 4}
